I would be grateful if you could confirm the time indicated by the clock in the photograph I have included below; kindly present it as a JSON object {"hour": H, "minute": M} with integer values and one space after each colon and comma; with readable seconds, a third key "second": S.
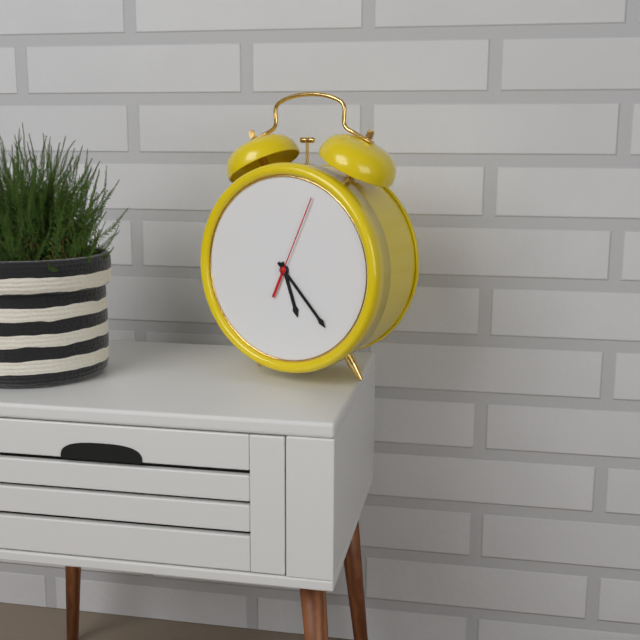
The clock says {"hour": 5, "minute": 23, "second": 4}
